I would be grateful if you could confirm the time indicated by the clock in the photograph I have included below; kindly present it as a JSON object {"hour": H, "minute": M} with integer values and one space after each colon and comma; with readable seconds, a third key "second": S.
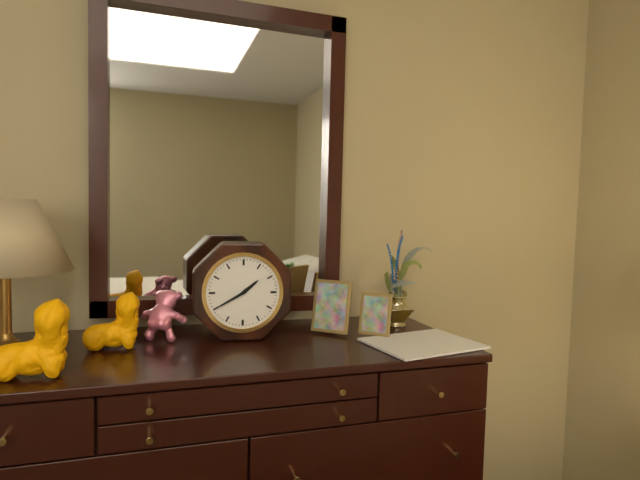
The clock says {"hour": 1, "minute": 40}
